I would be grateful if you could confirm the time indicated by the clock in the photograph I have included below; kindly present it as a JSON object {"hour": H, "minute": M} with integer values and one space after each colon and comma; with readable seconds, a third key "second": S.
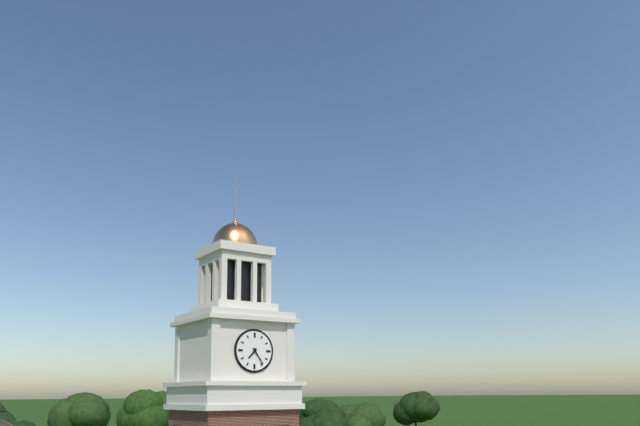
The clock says {"hour": 7, "minute": 24}
